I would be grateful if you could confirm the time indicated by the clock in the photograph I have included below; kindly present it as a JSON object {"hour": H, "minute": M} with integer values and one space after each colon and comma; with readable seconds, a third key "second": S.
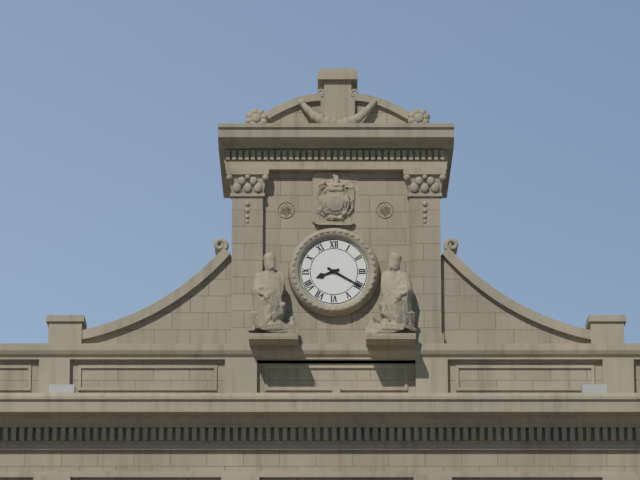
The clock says {"hour": 8, "minute": 20}
